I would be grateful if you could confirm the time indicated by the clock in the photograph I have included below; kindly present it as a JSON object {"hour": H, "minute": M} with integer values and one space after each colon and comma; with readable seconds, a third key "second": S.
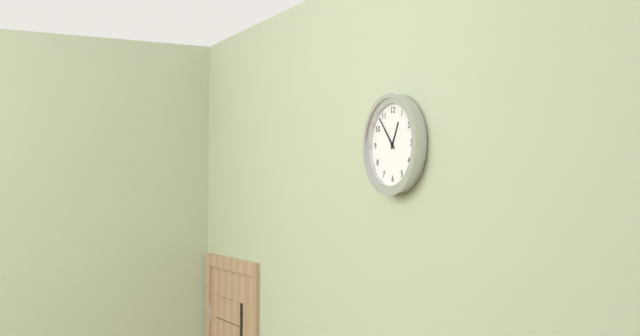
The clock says {"hour": 12, "minute": 53}
